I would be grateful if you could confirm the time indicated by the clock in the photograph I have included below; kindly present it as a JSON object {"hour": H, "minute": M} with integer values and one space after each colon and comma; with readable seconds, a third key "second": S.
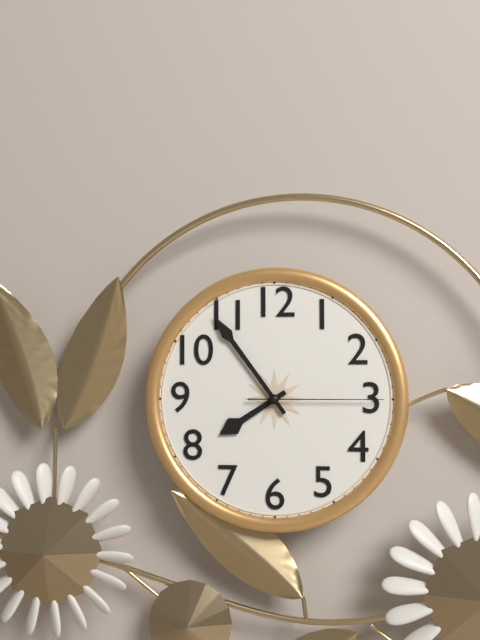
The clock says {"hour": 7, "minute": 54, "second": 15}
